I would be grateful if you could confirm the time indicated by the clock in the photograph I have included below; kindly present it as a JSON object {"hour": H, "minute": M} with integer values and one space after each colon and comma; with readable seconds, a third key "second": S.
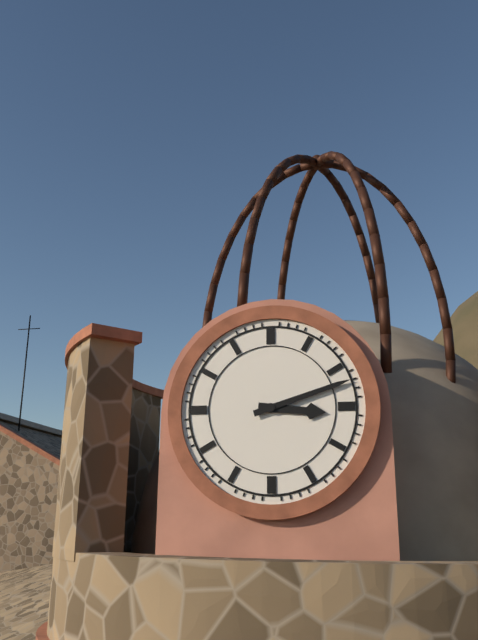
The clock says {"hour": 3, "minute": 12}
